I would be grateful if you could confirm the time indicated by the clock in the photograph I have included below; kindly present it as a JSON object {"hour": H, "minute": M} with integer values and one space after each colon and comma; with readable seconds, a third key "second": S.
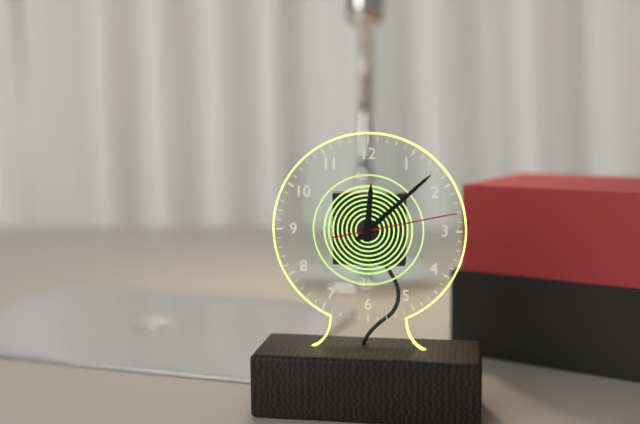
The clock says {"hour": 12, "minute": 8, "second": 13}
